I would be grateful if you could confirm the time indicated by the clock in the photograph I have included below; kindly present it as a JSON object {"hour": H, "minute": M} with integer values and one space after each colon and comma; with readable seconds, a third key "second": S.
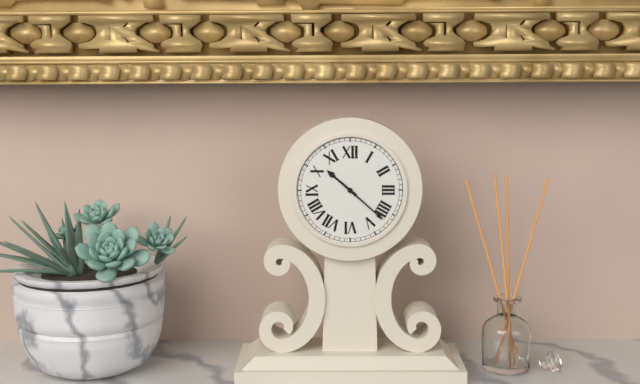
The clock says {"hour": 10, "minute": 22}
